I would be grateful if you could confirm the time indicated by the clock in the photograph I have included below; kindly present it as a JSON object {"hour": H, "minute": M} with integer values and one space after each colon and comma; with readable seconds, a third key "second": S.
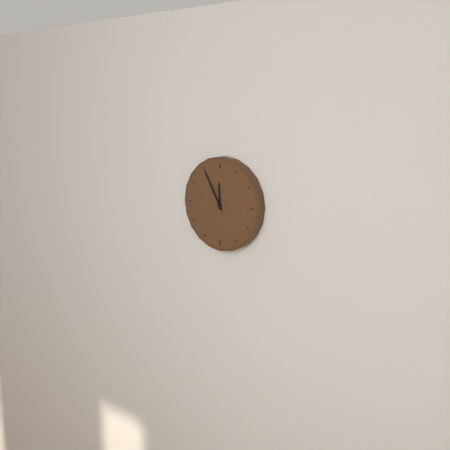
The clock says {"hour": 11, "minute": 55}
